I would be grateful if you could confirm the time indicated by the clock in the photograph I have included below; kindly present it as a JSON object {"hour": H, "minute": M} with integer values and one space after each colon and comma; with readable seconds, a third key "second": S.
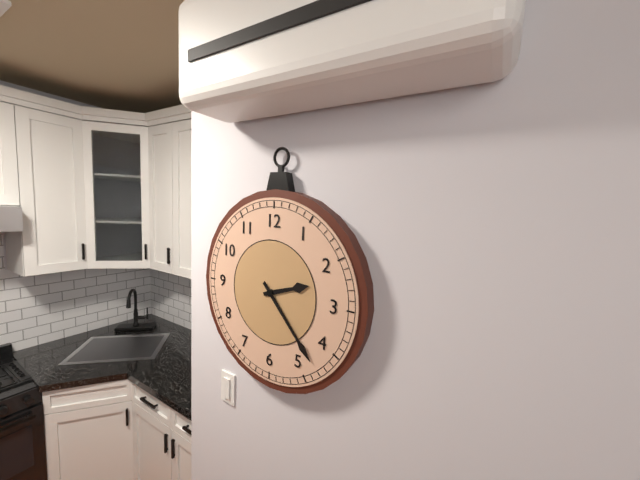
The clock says {"hour": 2, "minute": 23}
